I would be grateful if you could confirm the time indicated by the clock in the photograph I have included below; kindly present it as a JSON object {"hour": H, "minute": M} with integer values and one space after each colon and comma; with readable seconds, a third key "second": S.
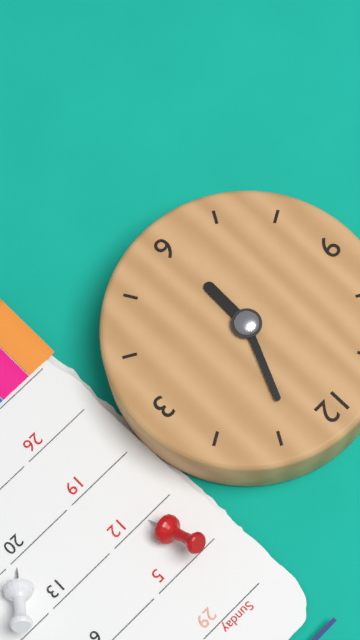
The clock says {"hour": 6, "minute": 4}
